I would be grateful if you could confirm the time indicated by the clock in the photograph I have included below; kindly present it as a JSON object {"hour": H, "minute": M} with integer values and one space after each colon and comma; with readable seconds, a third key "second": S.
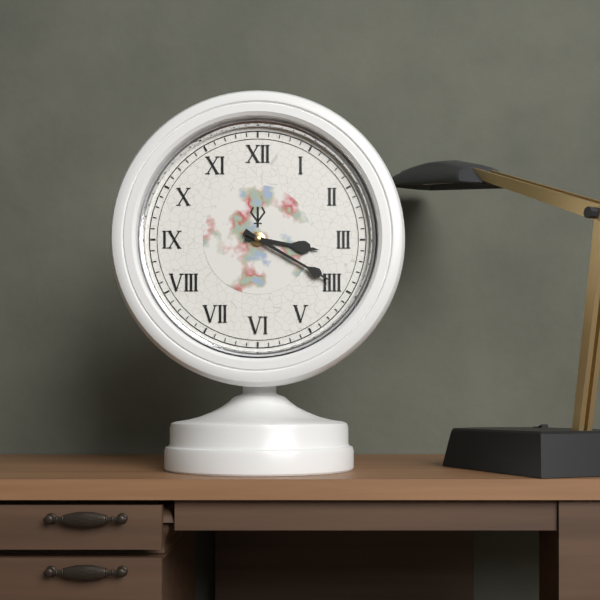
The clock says {"hour": 3, "minute": 20}
